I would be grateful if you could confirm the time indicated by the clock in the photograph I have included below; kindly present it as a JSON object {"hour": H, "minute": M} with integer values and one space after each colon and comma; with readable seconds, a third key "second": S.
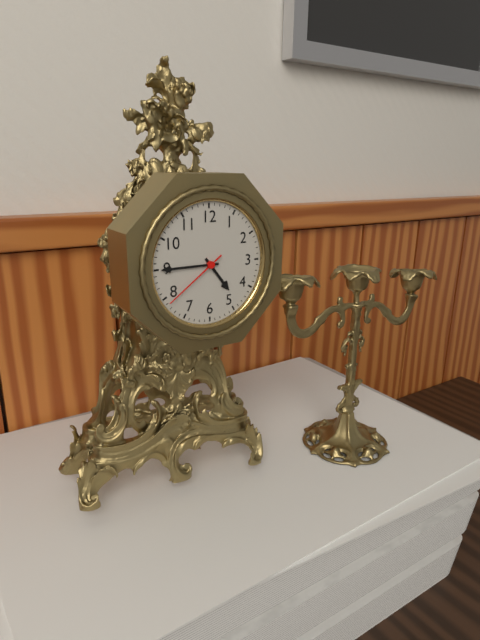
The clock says {"hour": 4, "minute": 45, "second": 39}
